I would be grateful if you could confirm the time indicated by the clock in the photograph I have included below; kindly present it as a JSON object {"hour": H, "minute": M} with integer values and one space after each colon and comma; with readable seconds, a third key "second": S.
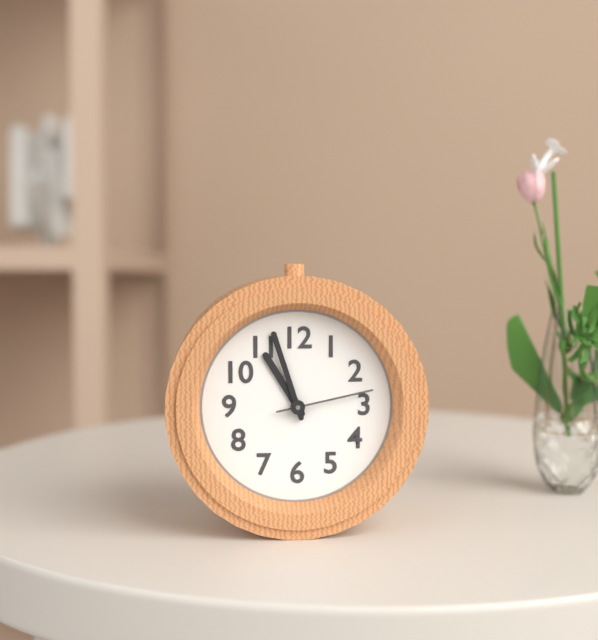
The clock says {"hour": 10, "minute": 57, "second": 13}
